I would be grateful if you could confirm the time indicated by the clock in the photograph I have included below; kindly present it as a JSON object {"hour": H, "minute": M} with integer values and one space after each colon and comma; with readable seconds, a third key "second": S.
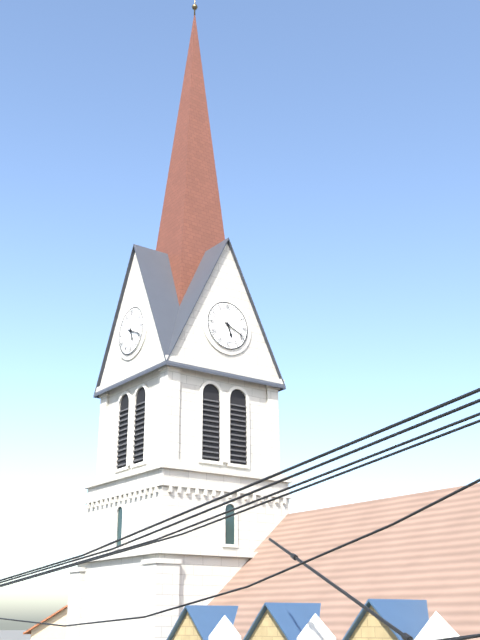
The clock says {"hour": 5, "minute": 19}
